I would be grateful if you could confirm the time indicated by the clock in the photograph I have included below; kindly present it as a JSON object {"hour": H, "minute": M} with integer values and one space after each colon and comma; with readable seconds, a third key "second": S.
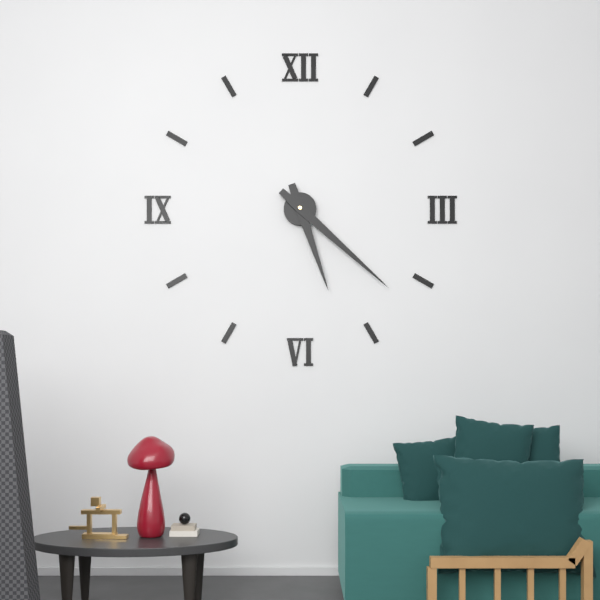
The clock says {"hour": 5, "minute": 22}
